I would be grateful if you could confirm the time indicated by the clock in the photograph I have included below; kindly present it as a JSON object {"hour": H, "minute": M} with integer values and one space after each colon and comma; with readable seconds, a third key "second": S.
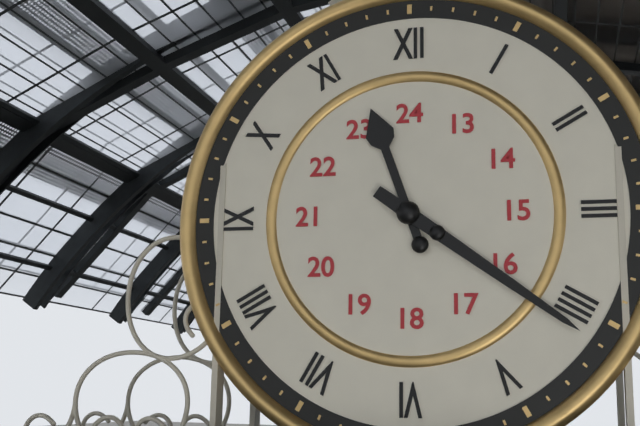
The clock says {"hour": 11, "minute": 21}
